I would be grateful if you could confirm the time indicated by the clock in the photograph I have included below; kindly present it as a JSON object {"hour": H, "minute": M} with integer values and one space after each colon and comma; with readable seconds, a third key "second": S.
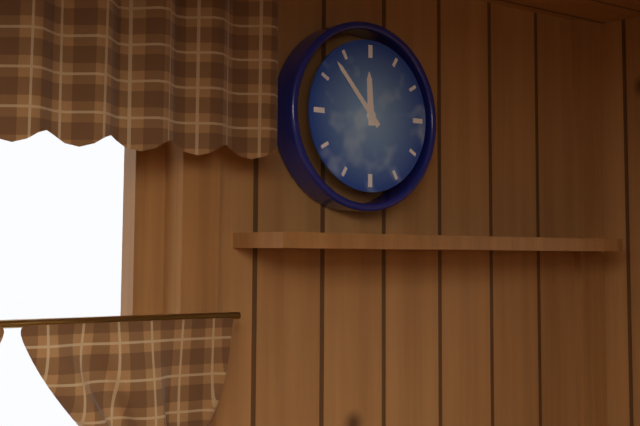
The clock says {"hour": 11, "minute": 53}
